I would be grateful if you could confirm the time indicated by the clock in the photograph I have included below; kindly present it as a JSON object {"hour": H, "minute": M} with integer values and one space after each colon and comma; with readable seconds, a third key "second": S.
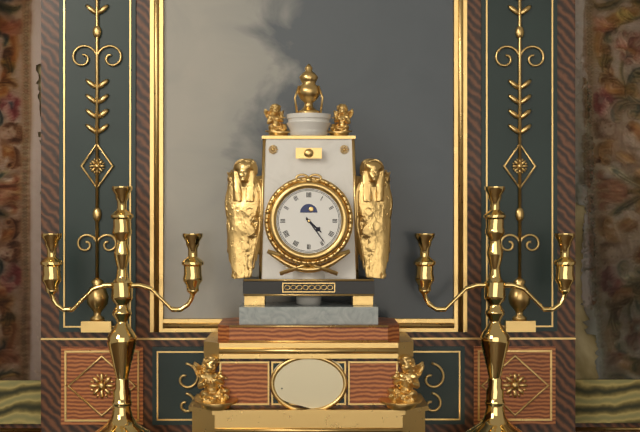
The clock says {"hour": 4, "minute": 24}
